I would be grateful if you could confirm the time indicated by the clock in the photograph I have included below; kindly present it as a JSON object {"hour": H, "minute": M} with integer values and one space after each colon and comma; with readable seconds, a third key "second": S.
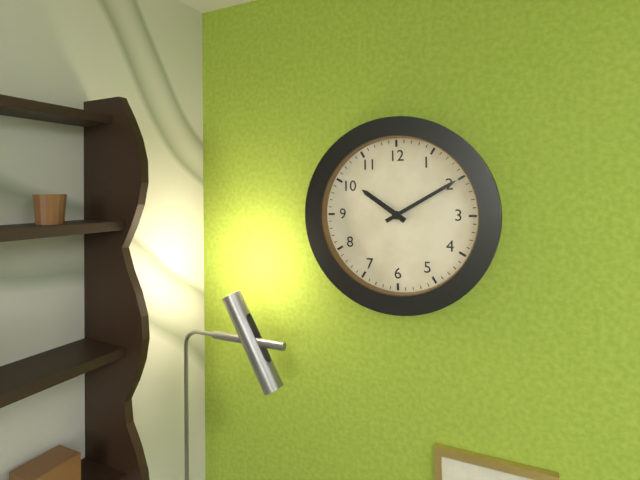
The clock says {"hour": 10, "minute": 10}
